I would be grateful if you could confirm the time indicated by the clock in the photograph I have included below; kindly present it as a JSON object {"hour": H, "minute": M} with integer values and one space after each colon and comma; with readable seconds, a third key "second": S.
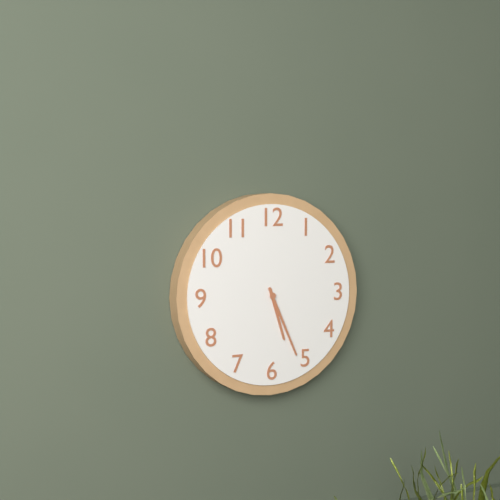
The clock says {"hour": 5, "minute": 26}
